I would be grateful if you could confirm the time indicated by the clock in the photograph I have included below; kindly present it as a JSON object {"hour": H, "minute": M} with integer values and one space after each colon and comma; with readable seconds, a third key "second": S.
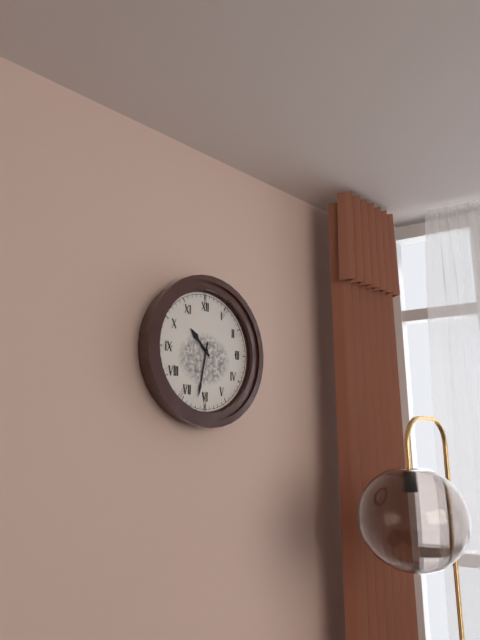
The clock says {"hour": 10, "minute": 32}
